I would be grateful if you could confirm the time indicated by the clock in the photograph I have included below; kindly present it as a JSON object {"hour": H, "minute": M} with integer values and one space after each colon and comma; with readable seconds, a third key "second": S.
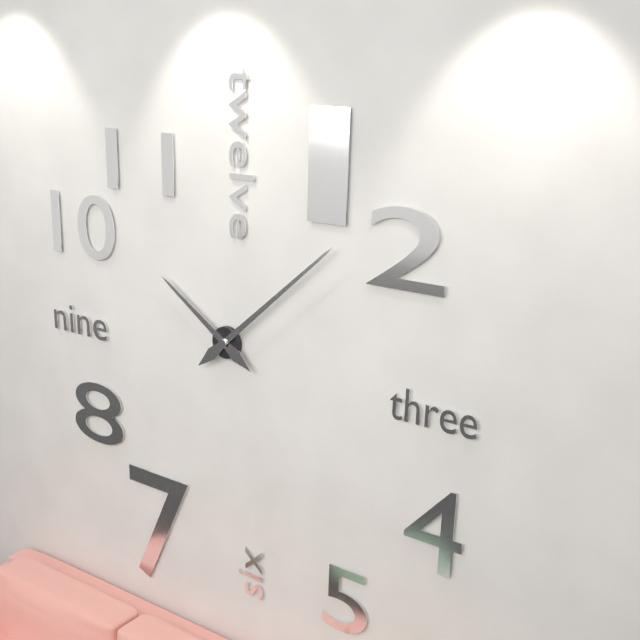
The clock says {"hour": 10, "minute": 8}
